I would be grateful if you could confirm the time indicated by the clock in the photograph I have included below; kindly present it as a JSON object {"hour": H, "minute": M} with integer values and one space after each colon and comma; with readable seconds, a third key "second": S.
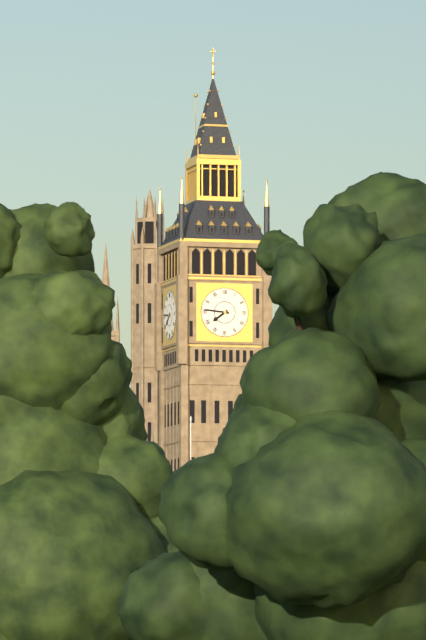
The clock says {"hour": 7, "minute": 46}
